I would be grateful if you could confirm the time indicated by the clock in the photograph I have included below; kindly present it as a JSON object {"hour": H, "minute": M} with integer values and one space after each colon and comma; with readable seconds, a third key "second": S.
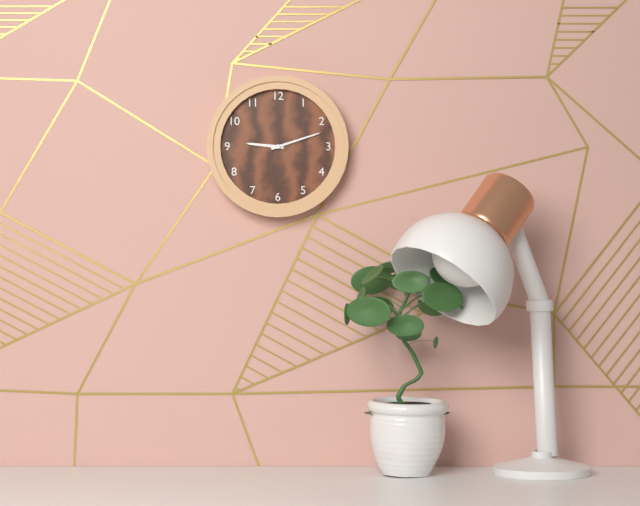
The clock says {"hour": 9, "minute": 12}
